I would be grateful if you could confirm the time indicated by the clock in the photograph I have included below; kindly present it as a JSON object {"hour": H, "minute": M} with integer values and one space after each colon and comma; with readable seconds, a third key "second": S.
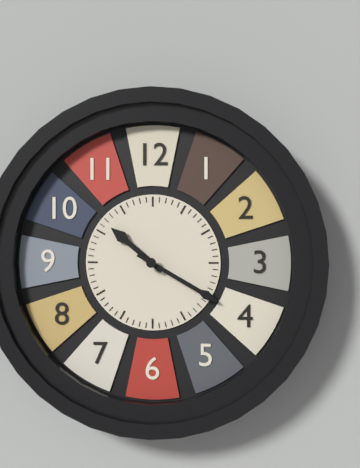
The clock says {"hour": 10, "minute": 20}
